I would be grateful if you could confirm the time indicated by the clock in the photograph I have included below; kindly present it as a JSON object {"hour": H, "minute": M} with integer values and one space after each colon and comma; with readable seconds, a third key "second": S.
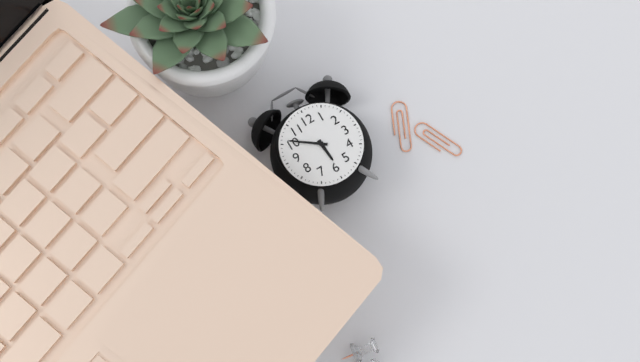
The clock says {"hour": 5, "minute": 51}
